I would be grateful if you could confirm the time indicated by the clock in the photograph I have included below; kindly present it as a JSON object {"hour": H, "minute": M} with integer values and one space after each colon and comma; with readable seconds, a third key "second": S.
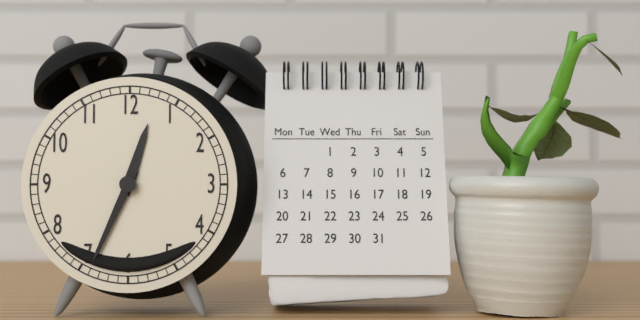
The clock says {"hour": 12, "minute": 34}
